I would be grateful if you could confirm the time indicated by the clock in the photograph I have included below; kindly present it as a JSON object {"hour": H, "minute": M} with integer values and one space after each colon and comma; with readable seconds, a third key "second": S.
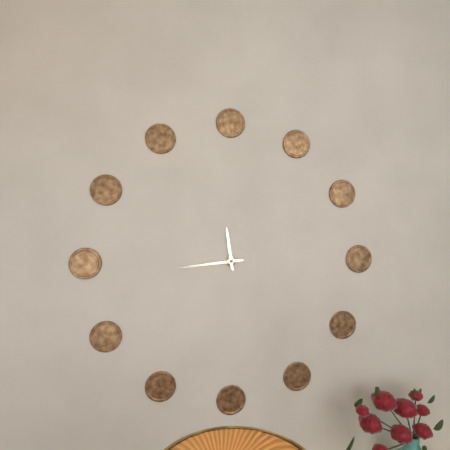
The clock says {"hour": 11, "minute": 44}
